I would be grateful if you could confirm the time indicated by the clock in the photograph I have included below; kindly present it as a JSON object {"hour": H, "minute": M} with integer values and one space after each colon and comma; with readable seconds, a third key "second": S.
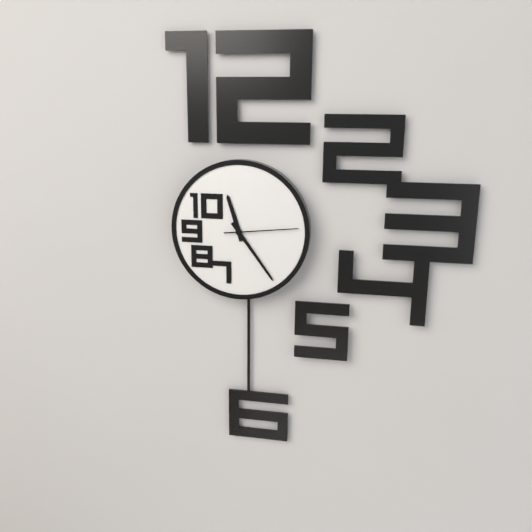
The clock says {"hour": 11, "minute": 24, "second": 14}
